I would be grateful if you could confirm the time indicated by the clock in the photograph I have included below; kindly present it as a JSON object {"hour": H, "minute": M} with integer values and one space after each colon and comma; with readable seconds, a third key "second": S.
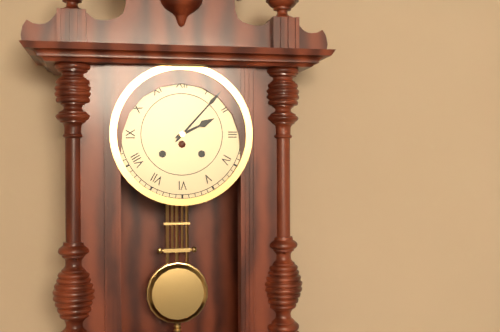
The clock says {"hour": 2, "minute": 7}
